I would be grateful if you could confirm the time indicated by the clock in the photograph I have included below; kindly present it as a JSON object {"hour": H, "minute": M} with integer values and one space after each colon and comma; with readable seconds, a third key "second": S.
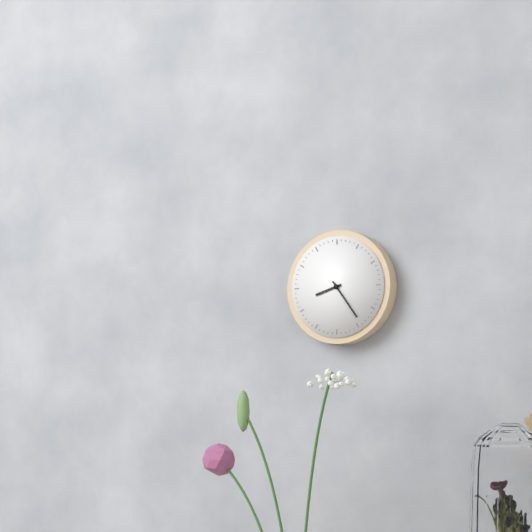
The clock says {"hour": 8, "minute": 24}
